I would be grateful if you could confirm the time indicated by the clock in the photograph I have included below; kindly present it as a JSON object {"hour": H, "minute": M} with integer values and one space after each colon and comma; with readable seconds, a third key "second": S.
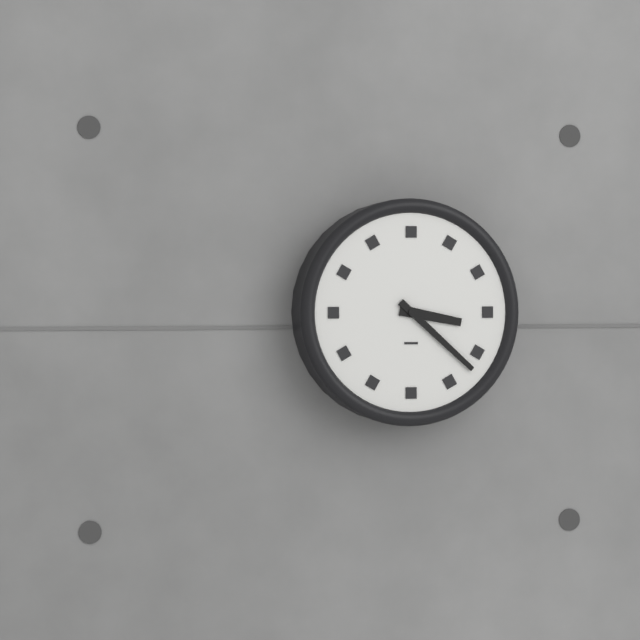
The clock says {"hour": 3, "minute": 22}
